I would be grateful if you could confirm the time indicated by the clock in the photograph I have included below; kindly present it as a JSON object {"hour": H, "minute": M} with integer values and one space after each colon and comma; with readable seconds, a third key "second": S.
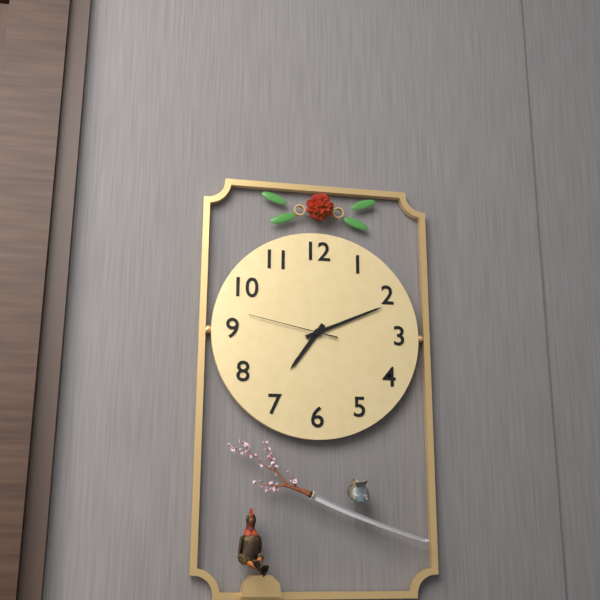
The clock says {"hour": 7, "minute": 11, "second": 47}
